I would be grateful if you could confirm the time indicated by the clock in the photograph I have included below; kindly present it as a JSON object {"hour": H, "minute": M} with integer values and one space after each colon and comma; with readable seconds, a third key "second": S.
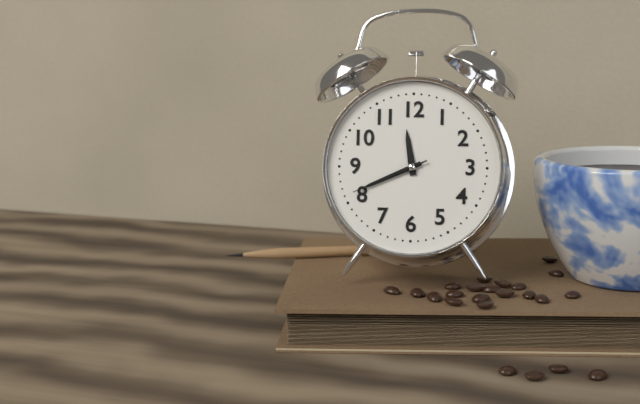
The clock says {"hour": 11, "minute": 41, "second": 41}
